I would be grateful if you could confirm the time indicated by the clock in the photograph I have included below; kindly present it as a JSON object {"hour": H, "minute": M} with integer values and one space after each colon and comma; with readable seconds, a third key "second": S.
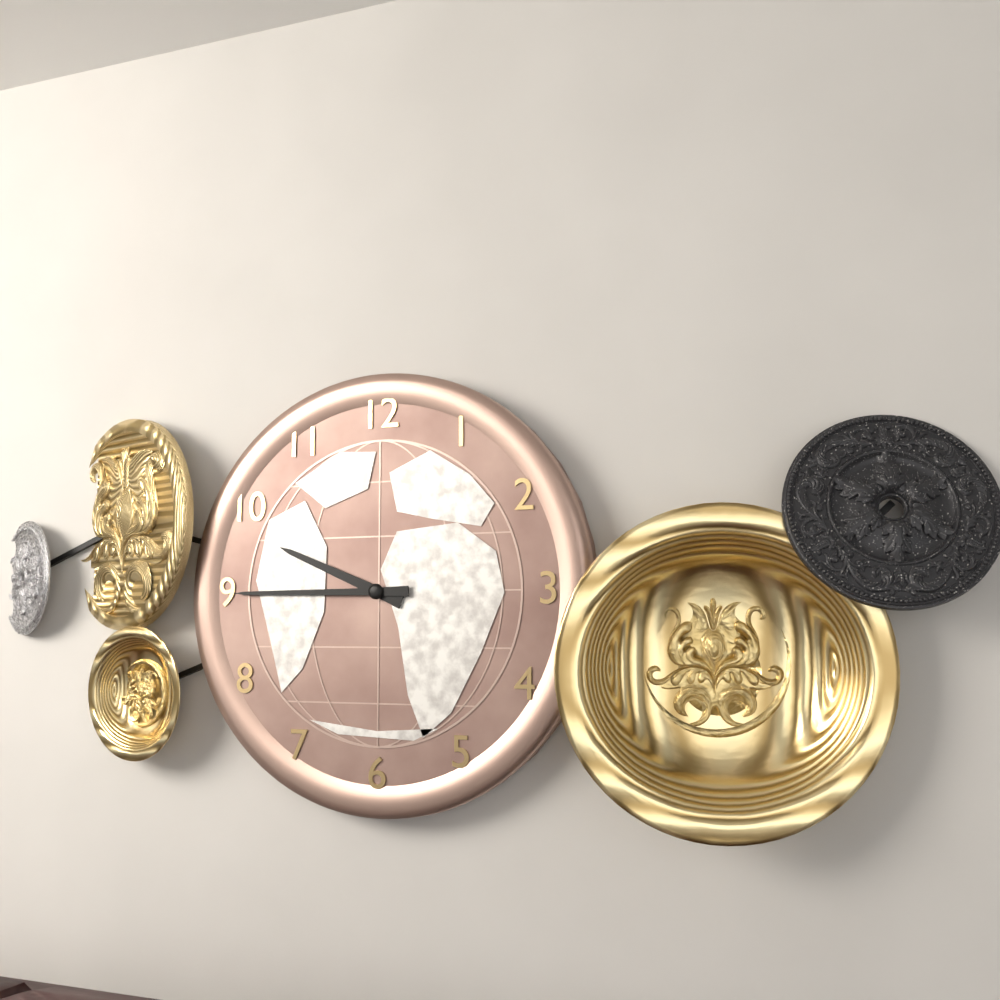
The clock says {"hour": 9, "minute": 45}
